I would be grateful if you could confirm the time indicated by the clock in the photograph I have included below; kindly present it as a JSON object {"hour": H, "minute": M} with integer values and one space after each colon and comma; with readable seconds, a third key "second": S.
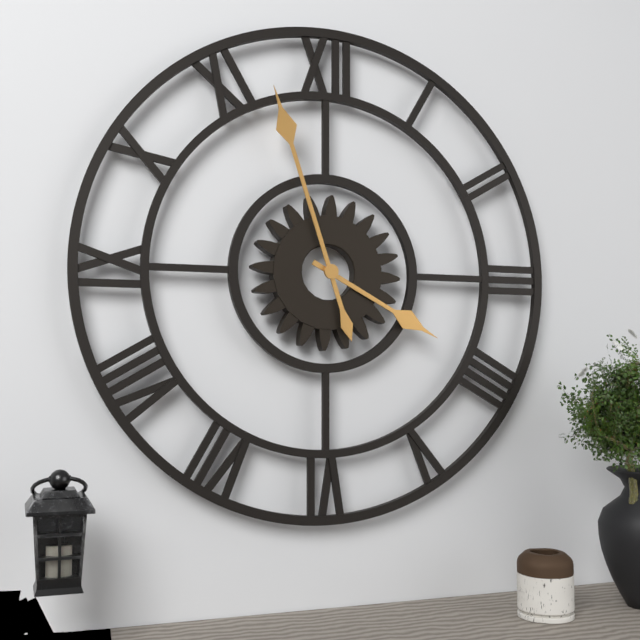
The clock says {"hour": 3, "minute": 57}
